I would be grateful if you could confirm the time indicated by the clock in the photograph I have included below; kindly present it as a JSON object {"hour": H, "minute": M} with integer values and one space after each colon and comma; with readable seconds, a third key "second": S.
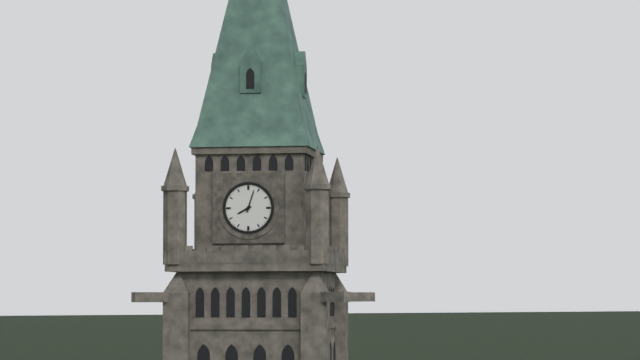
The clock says {"hour": 8, "minute": 3}
